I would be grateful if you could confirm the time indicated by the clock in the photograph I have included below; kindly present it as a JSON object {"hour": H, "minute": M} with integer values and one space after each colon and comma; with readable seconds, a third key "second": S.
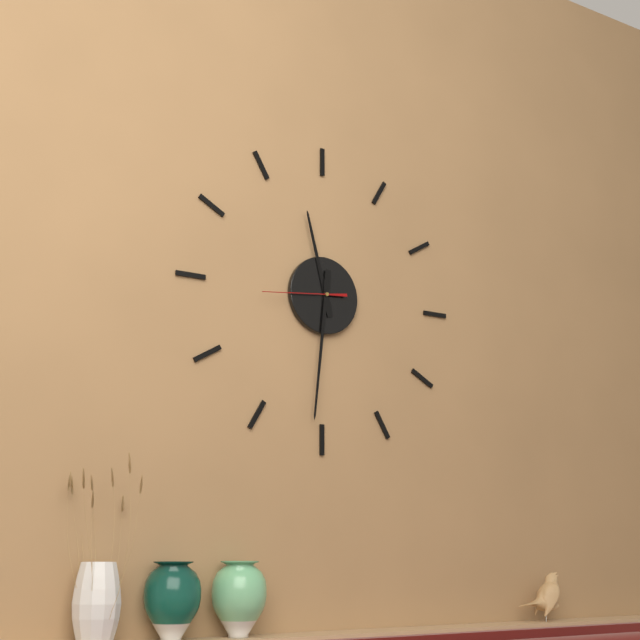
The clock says {"hour": 11, "minute": 31, "second": 44}
